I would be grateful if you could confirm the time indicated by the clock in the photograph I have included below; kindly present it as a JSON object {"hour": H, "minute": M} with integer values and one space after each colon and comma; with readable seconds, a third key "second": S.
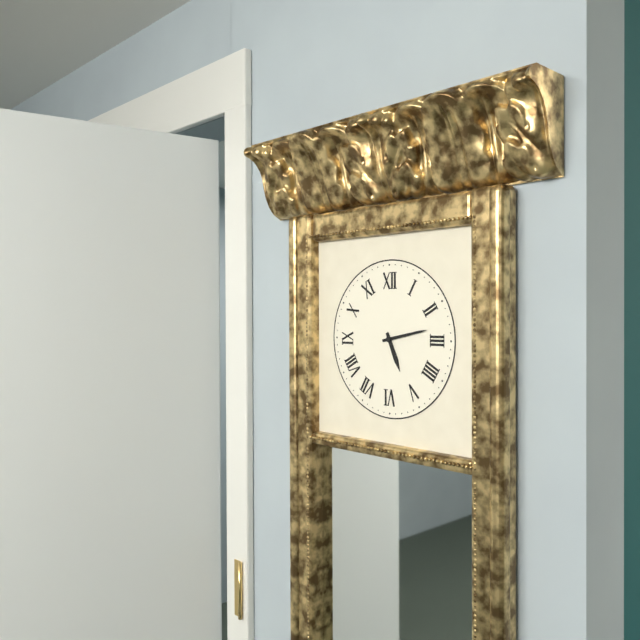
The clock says {"hour": 5, "minute": 13}
